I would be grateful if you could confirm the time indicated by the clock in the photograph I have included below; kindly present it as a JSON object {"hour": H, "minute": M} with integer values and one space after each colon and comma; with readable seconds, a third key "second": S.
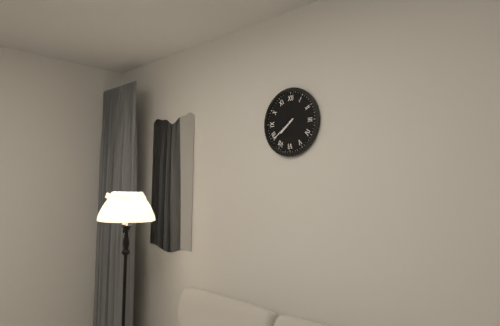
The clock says {"hour": 7, "minute": 39}
